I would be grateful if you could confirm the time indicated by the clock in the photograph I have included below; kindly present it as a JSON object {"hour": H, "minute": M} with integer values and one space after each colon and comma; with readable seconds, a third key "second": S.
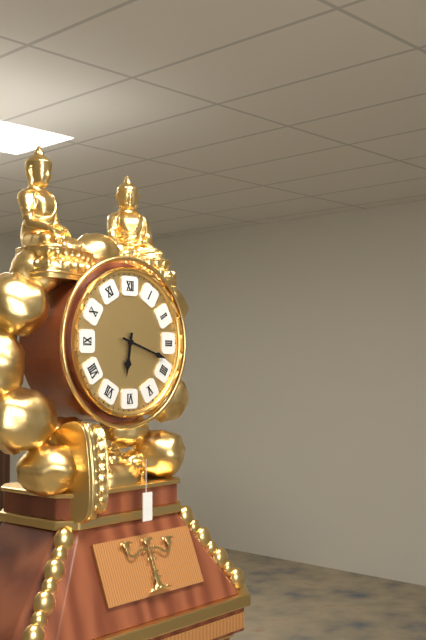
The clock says {"hour": 6, "minute": 18}
